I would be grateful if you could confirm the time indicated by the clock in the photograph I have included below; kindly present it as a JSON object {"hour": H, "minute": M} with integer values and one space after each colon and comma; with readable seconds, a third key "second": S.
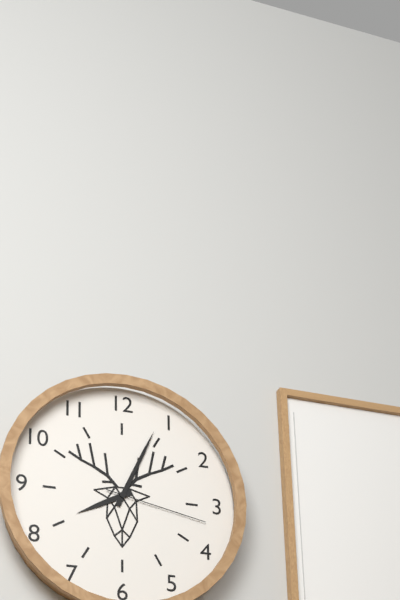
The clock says {"hour": 8, "minute": 4, "second": 17}
